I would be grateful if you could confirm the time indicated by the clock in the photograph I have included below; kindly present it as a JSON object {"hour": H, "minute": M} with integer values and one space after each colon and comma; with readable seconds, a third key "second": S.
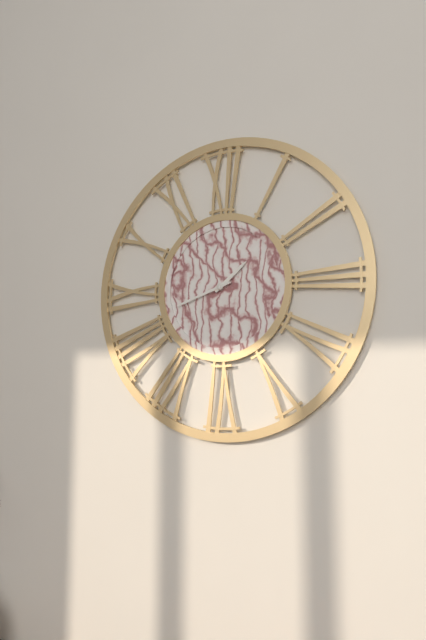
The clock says {"hour": 1, "minute": 42}
